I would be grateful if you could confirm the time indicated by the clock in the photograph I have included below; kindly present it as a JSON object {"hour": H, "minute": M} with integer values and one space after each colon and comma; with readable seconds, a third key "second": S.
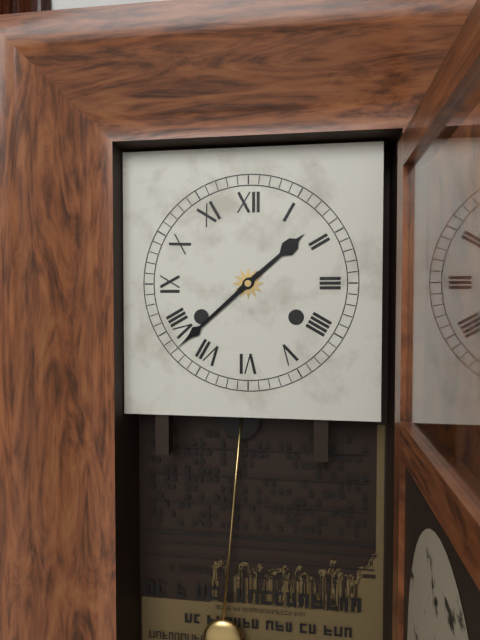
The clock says {"hour": 1, "minute": 38}
